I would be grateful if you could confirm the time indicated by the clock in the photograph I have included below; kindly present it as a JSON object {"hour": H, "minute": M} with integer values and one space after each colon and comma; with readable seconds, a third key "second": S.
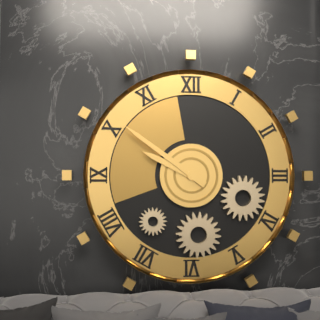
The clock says {"hour": 9, "minute": 51}
